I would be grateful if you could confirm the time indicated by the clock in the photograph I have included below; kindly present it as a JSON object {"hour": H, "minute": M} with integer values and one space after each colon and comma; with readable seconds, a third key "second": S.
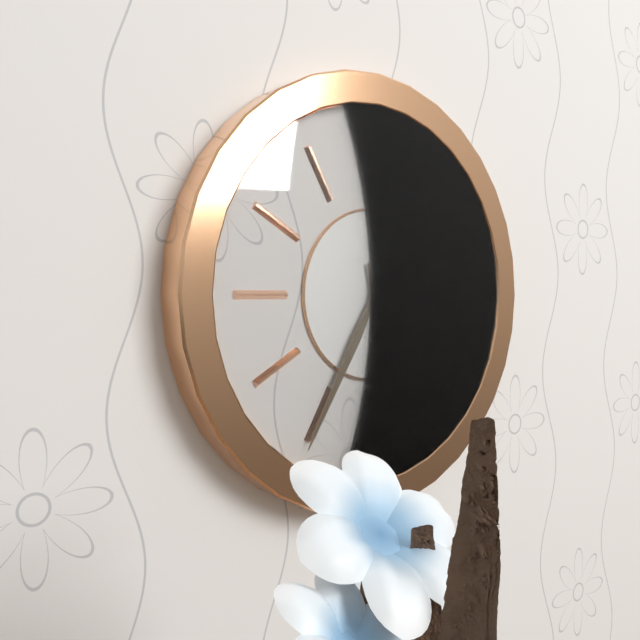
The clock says {"hour": 5, "minute": 35}
